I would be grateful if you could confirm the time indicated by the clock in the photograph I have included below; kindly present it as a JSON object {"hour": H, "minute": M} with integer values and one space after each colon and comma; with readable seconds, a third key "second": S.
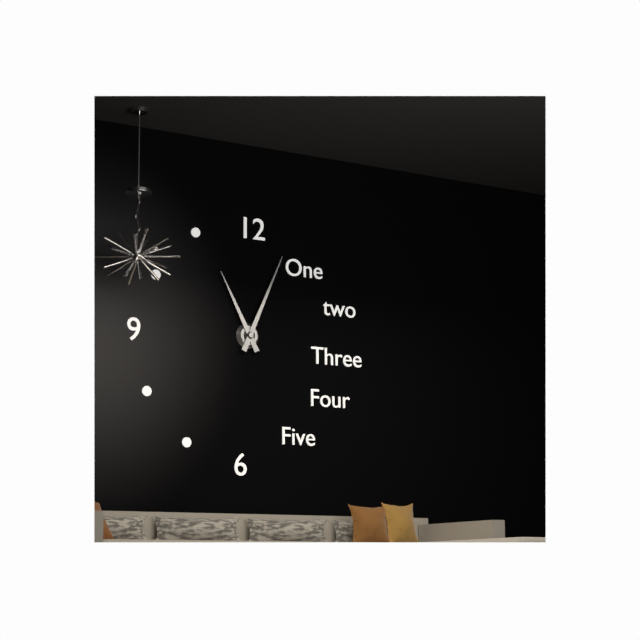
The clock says {"hour": 11, "minute": 4}
